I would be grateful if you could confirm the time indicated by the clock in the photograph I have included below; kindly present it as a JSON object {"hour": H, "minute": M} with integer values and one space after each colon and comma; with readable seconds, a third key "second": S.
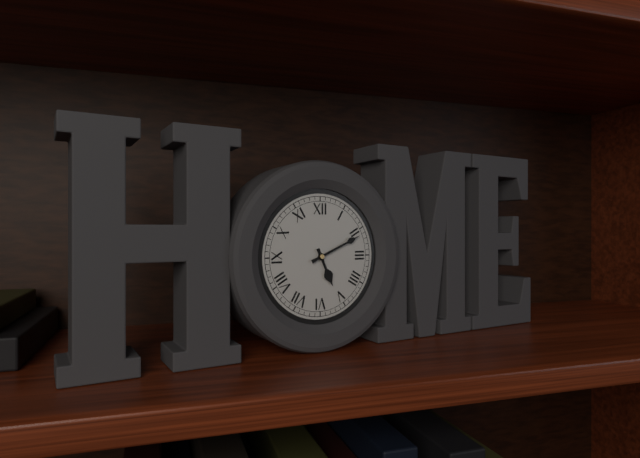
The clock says {"hour": 5, "minute": 11}
